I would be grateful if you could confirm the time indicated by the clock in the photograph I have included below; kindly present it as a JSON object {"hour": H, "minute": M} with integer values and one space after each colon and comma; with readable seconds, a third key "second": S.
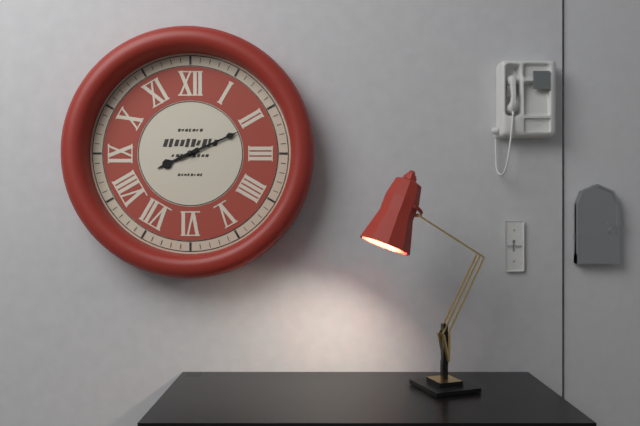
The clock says {"hour": 8, "minute": 11}
